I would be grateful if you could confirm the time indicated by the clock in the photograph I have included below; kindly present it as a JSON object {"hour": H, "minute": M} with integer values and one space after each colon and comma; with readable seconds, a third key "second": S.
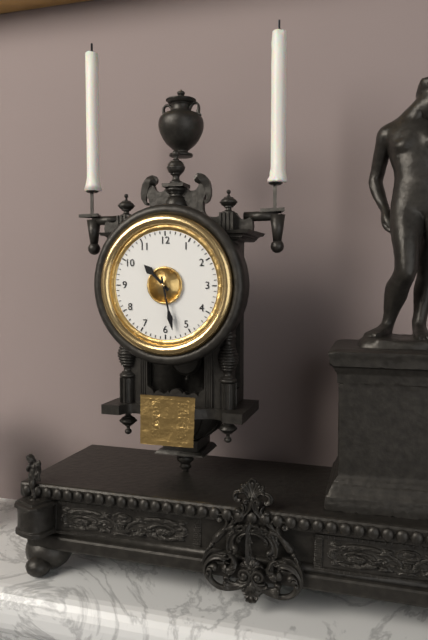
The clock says {"hour": 10, "minute": 28}
